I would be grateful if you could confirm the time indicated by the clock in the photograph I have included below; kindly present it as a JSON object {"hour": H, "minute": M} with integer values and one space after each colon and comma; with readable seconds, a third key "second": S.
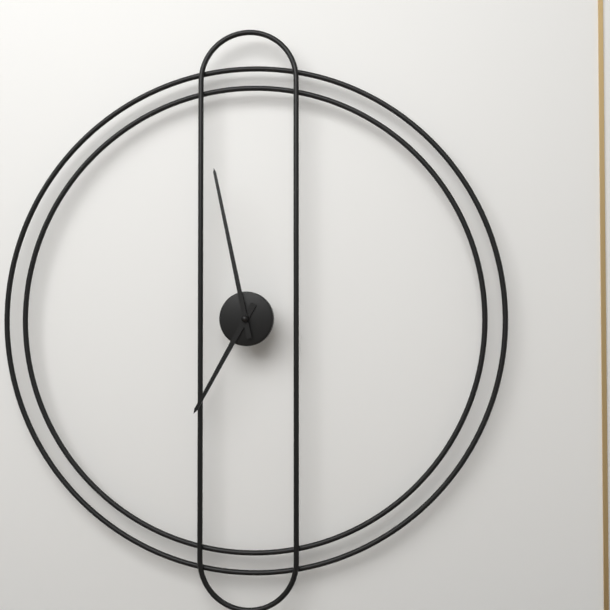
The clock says {"hour": 6, "minute": 58}
